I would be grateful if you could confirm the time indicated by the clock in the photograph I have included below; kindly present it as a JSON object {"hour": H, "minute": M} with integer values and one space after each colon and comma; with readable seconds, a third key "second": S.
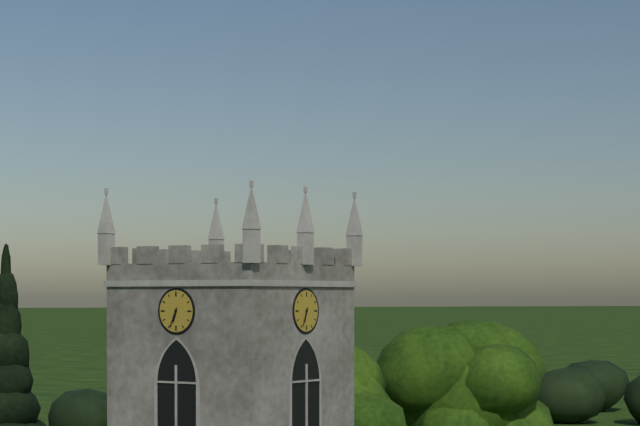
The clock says {"hour": 6, "minute": 34}
